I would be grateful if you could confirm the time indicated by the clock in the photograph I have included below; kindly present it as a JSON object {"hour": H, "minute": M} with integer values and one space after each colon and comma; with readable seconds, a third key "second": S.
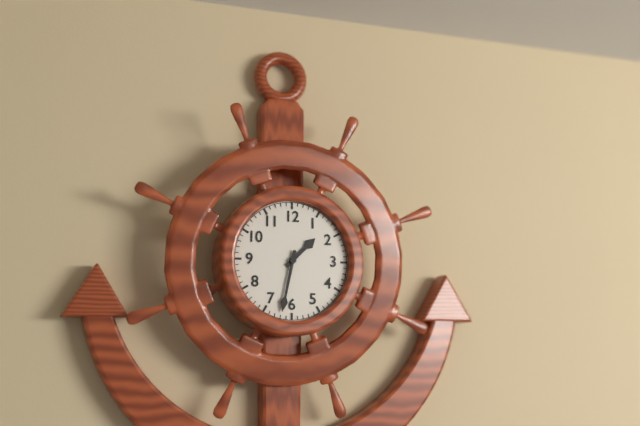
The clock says {"hour": 1, "minute": 32}
